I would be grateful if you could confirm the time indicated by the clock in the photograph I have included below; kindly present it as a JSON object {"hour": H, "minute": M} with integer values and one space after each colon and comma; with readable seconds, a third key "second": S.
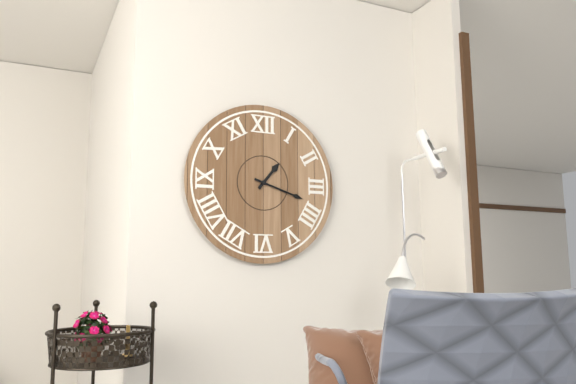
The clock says {"hour": 1, "minute": 18}
